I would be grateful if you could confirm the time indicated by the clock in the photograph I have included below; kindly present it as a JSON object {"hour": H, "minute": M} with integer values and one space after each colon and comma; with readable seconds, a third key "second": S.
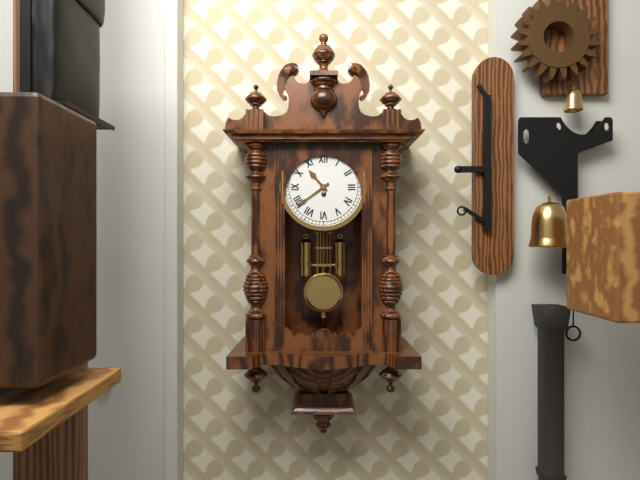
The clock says {"hour": 10, "minute": 39}
